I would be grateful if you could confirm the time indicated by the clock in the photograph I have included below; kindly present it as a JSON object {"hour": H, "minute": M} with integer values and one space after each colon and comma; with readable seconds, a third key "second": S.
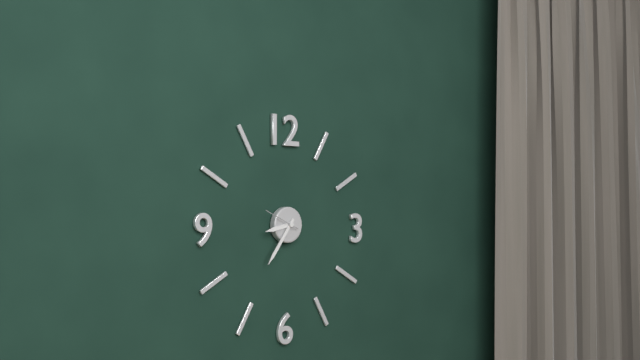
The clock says {"hour": 8, "minute": 36}
